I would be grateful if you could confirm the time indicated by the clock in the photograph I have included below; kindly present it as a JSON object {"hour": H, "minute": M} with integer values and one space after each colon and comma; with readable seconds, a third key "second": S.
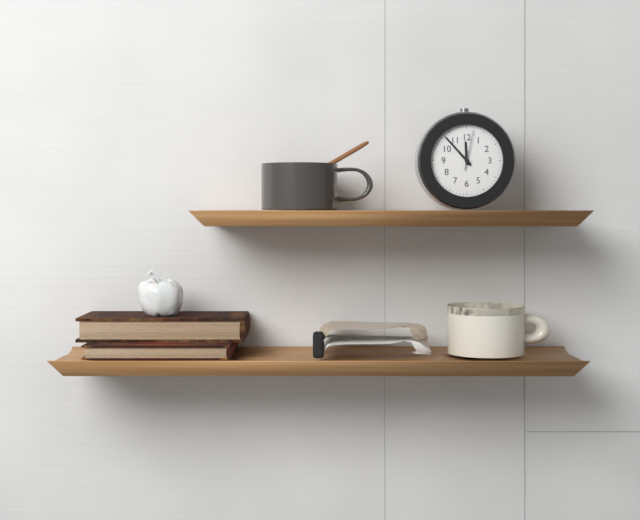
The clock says {"hour": 11, "minute": 53}
